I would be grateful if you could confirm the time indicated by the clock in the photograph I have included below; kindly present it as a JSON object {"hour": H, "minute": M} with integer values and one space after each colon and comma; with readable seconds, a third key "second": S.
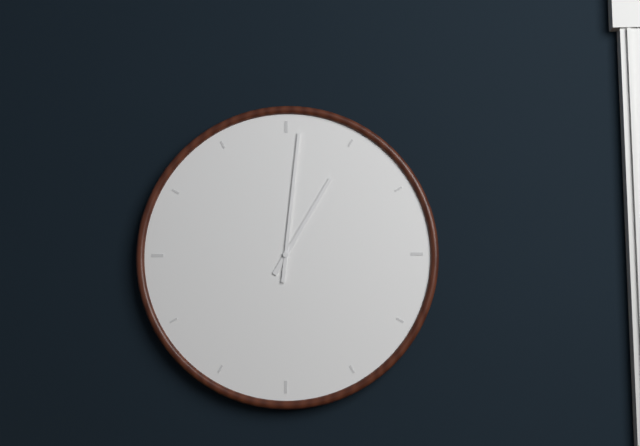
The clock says {"hour": 1, "minute": 1}
